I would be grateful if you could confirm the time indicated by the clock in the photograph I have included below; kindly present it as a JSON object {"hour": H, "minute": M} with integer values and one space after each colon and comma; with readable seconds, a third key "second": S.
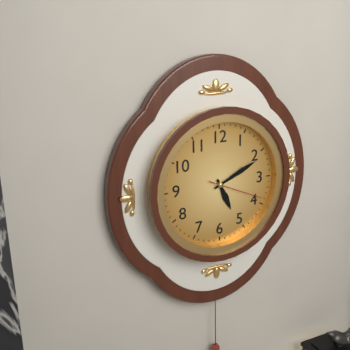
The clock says {"hour": 5, "minute": 11, "second": 19}
